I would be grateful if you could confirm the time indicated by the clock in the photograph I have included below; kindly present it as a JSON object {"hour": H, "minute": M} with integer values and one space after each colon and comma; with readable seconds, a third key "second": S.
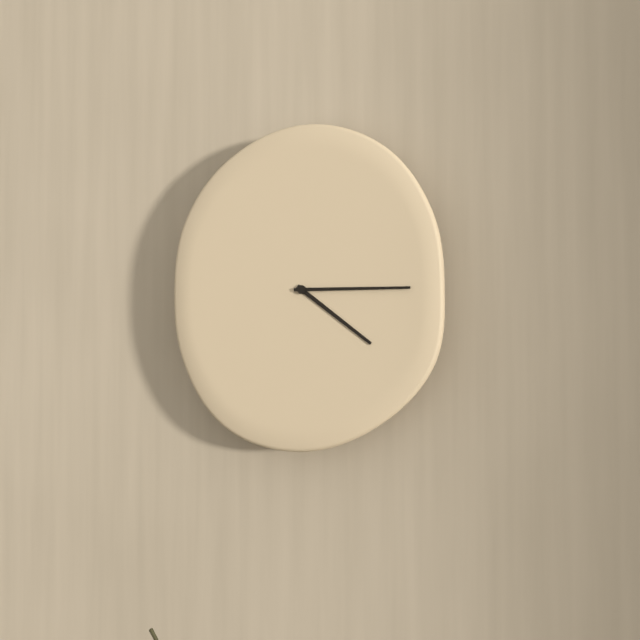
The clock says {"hour": 4, "minute": 15}
